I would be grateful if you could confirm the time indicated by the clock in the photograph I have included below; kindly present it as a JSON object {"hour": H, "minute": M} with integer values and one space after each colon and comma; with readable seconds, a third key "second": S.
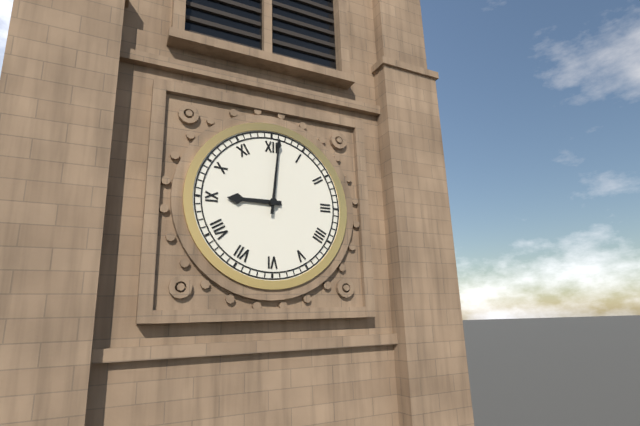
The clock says {"hour": 9, "minute": 1}
